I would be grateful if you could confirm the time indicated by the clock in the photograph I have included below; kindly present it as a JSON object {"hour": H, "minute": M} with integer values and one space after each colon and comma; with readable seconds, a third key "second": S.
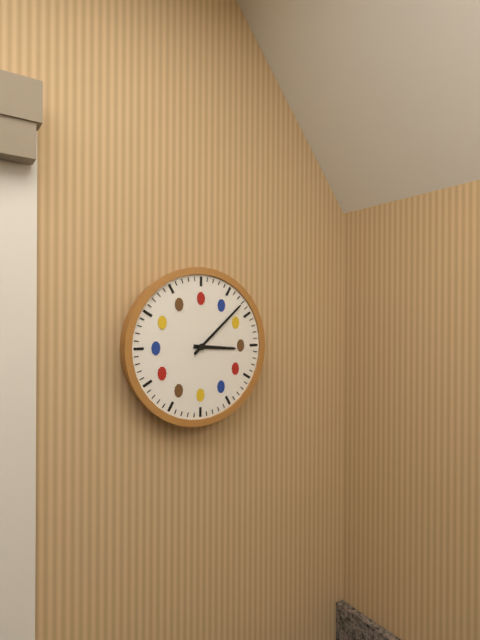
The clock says {"hour": 3, "minute": 8}
